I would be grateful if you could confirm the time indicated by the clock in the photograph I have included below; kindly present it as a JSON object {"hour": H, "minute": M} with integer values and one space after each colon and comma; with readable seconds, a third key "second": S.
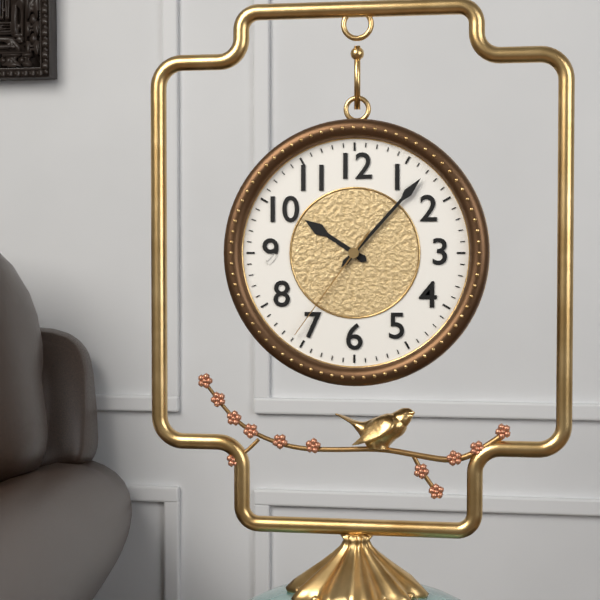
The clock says {"hour": 10, "minute": 7, "second": 36}
